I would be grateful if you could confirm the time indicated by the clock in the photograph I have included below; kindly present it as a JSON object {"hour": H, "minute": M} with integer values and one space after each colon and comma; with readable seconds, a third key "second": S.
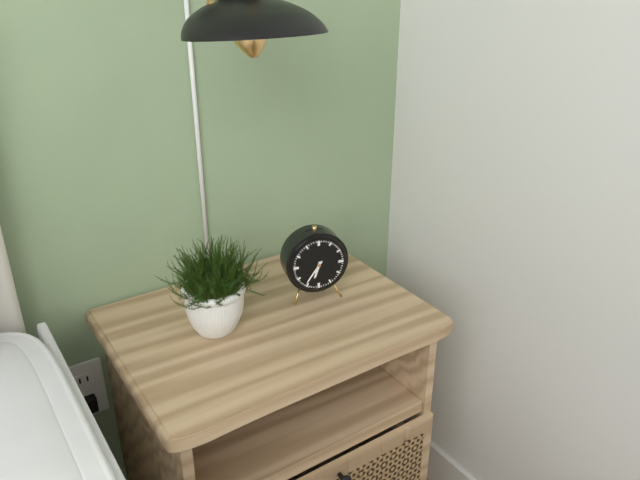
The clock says {"hour": 6, "minute": 36}
